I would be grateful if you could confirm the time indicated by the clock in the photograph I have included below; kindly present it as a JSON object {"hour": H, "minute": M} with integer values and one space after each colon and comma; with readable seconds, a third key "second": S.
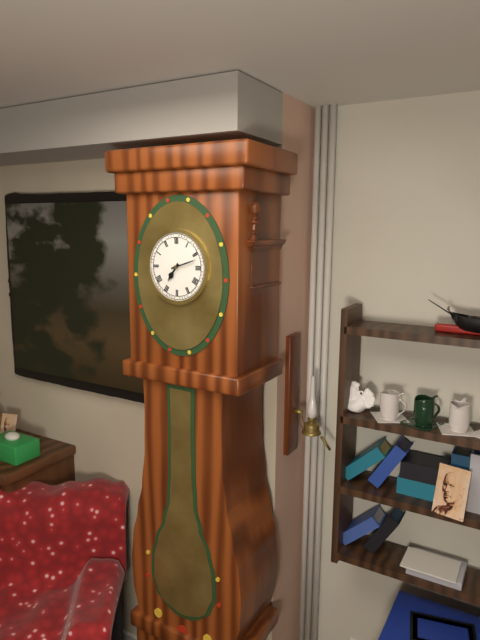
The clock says {"hour": 7, "minute": 12}
